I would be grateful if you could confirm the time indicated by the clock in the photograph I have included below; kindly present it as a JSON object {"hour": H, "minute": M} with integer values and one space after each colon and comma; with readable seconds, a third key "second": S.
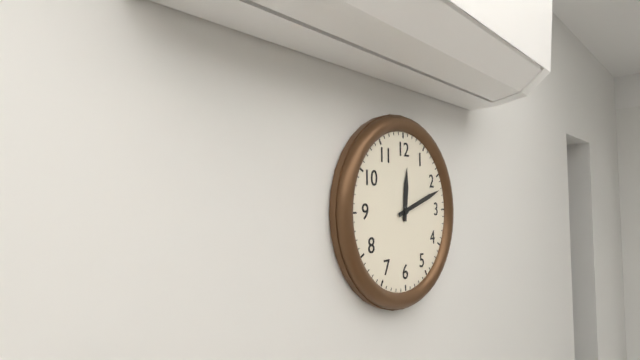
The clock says {"hour": 12, "minute": 12}
